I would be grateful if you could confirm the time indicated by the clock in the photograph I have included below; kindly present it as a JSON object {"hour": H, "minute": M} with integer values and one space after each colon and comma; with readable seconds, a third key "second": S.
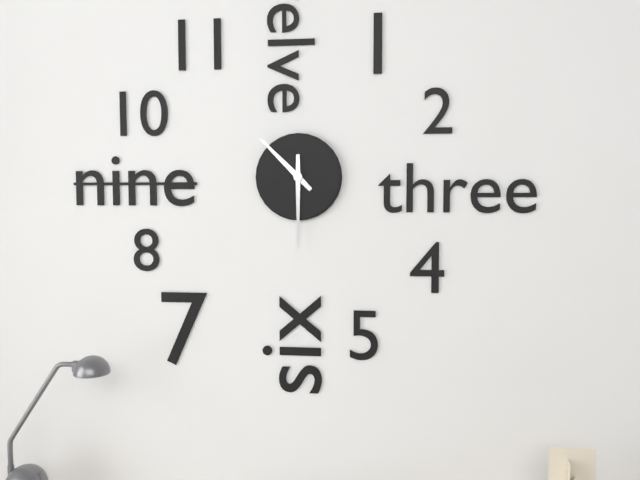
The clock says {"hour": 10, "minute": 30}
